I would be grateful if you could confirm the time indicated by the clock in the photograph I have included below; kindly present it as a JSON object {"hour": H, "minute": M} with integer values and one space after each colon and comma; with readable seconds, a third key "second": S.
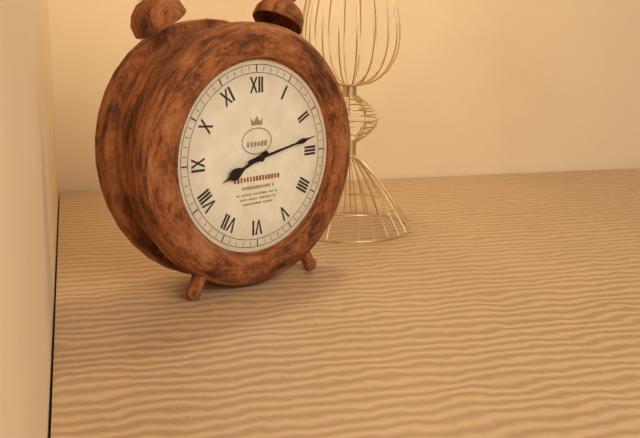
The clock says {"hour": 8, "minute": 13}
